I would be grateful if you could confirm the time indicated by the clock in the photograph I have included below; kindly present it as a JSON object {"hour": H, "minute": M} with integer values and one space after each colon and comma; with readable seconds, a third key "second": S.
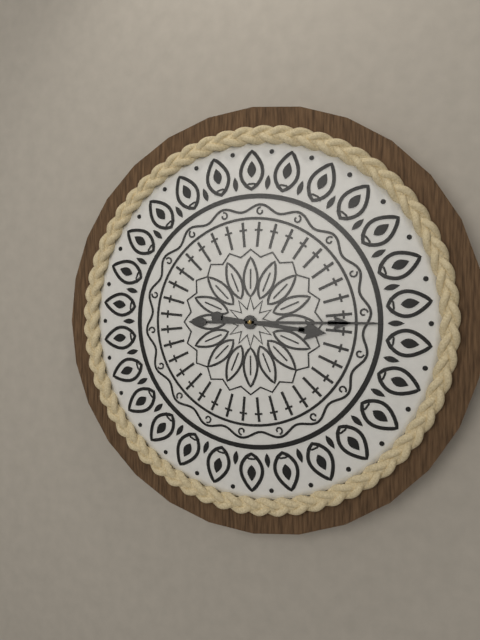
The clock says {"hour": 3, "minute": 15}
